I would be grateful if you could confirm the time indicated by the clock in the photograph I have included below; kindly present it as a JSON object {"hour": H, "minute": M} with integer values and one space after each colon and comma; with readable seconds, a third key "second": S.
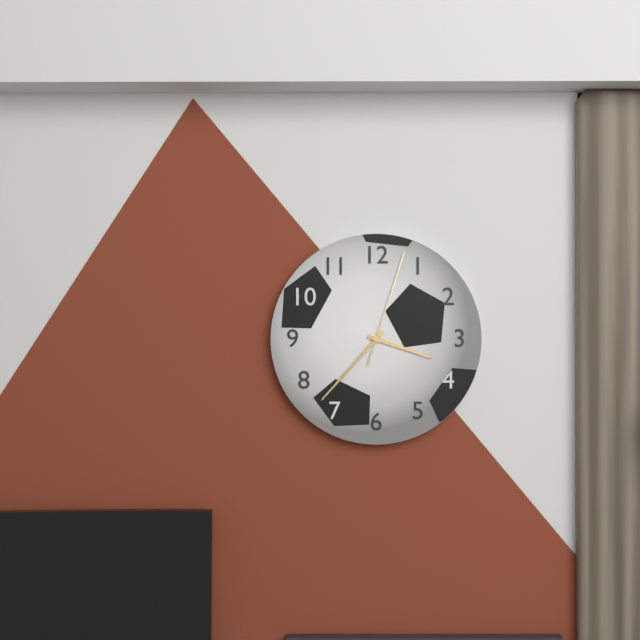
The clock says {"hour": 3, "minute": 37, "second": 3}
